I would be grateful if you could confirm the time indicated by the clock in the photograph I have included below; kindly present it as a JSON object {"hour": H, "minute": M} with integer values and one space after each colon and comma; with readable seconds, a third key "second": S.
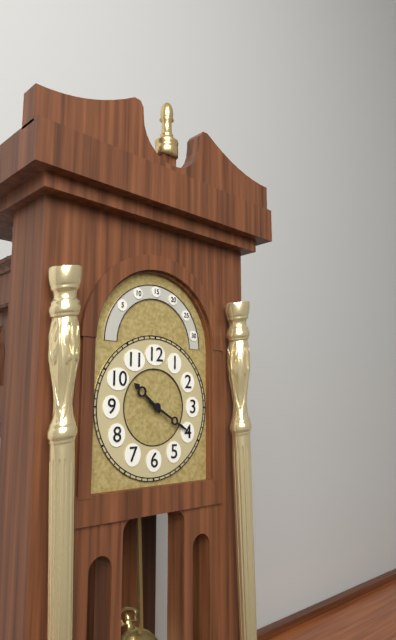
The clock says {"hour": 10, "minute": 20}
